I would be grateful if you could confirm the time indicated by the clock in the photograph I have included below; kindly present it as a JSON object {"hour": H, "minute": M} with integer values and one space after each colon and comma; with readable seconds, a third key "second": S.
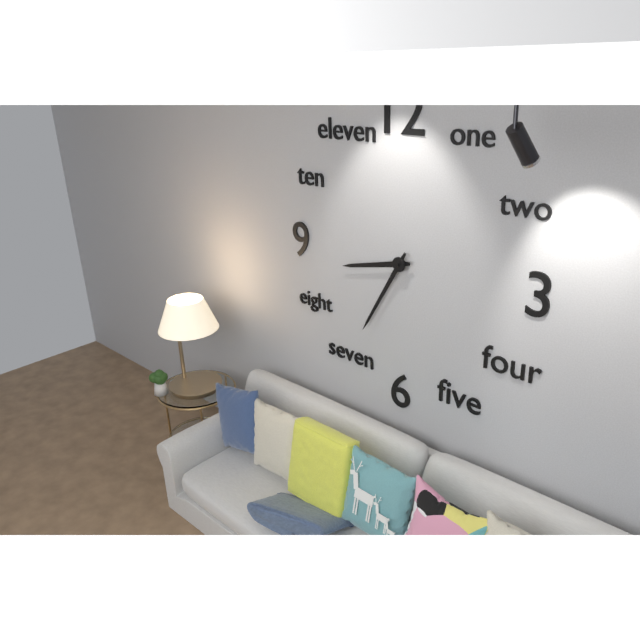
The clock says {"hour": 8, "minute": 35}
